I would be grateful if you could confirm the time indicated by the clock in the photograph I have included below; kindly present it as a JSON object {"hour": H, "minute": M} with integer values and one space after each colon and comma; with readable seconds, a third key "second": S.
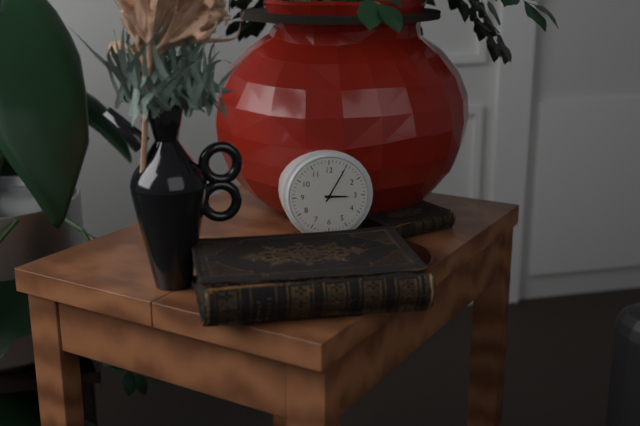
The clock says {"hour": 3, "minute": 5}
